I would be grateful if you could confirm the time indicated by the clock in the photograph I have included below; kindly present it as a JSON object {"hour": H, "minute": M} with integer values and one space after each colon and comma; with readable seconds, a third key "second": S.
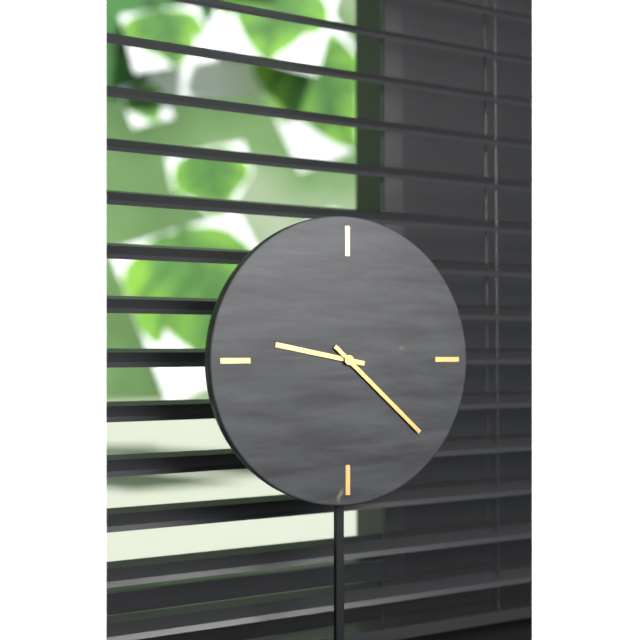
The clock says {"hour": 9, "minute": 22}
